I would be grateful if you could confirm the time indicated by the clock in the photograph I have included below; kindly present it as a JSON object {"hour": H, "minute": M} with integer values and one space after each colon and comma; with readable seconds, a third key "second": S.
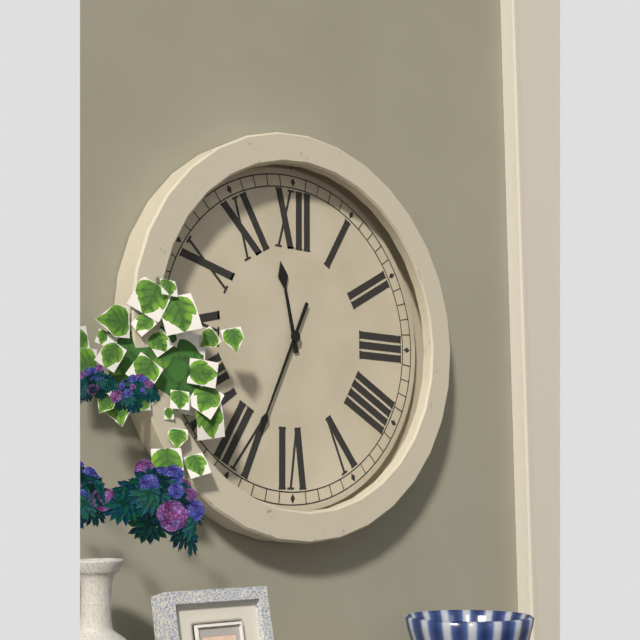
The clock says {"hour": 11, "minute": 34}
